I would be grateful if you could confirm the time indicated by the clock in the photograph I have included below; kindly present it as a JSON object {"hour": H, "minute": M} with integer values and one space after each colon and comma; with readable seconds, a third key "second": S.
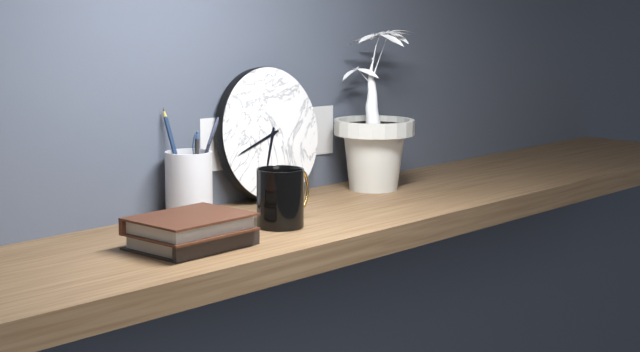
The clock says {"hour": 6, "minute": 42}
